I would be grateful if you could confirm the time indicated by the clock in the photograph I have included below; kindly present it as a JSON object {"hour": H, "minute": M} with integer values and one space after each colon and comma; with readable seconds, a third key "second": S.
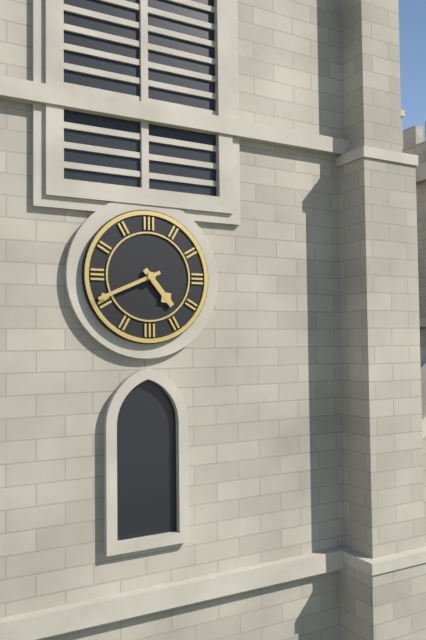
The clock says {"hour": 4, "minute": 41}
